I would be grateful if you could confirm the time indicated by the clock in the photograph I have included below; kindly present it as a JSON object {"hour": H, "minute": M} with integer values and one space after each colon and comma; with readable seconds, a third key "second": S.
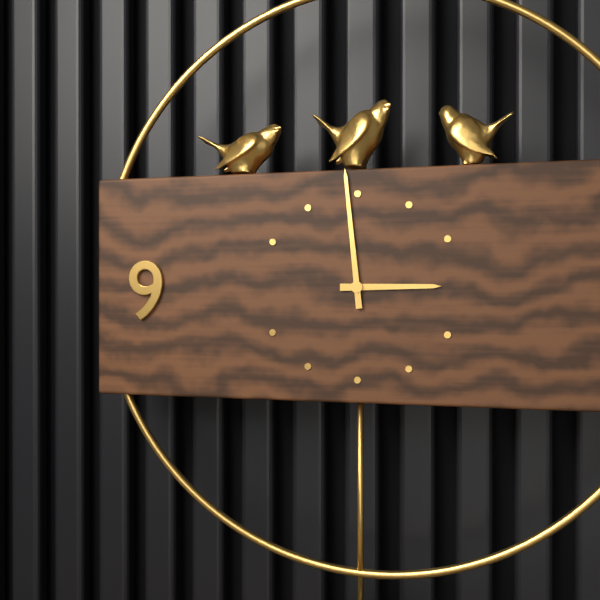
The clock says {"hour": 2, "minute": 59}
